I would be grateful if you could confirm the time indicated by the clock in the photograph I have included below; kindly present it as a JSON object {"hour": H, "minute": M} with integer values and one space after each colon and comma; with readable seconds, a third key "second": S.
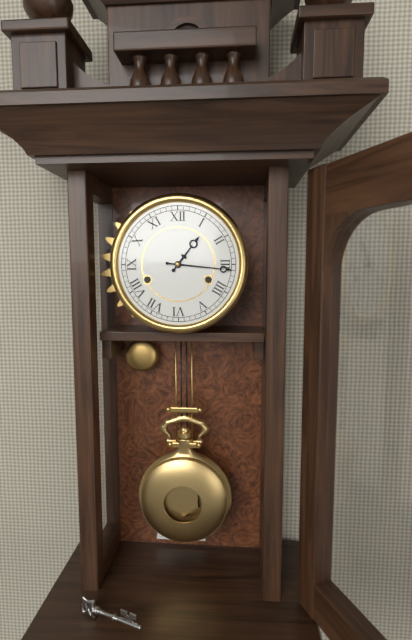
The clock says {"hour": 1, "minute": 16}
